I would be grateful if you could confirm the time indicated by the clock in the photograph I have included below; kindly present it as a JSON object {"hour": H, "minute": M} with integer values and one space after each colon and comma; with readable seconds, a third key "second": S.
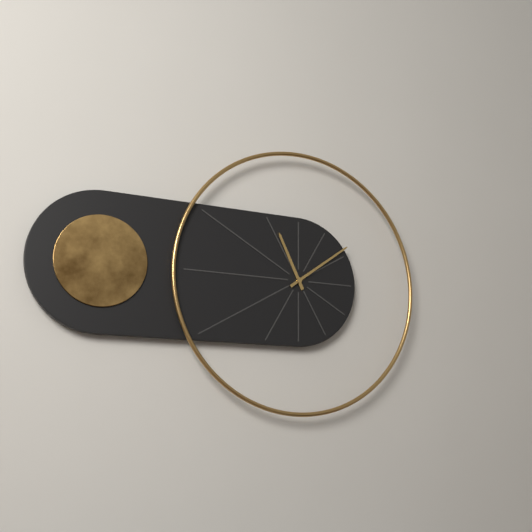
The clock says {"hour": 11, "minute": 9}
